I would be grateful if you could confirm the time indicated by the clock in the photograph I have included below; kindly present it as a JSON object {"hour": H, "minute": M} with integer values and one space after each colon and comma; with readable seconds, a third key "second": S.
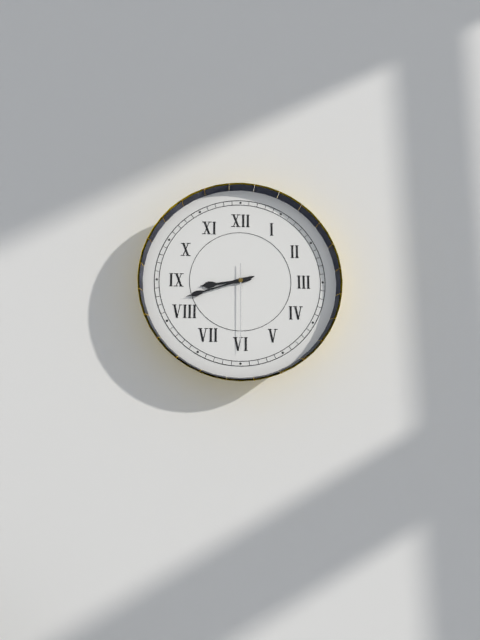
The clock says {"hour": 8, "minute": 42, "second": 30}
